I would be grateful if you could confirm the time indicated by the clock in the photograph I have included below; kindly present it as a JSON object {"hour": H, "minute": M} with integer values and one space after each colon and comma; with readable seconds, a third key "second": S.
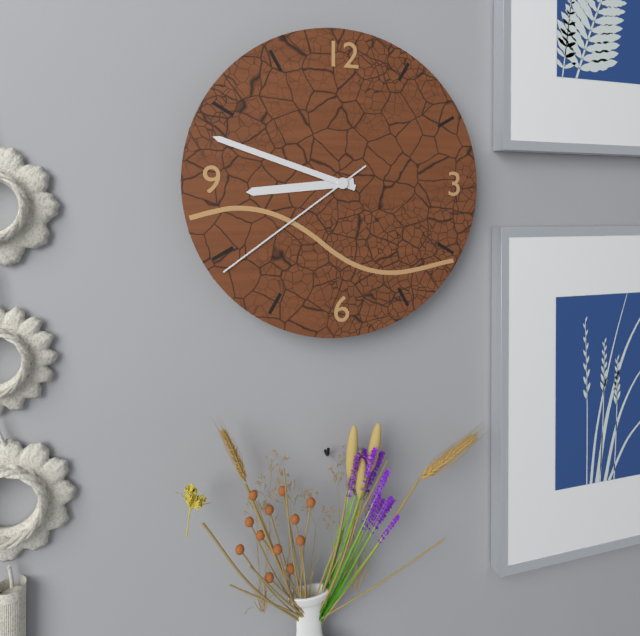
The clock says {"hour": 8, "minute": 48, "second": 39}
